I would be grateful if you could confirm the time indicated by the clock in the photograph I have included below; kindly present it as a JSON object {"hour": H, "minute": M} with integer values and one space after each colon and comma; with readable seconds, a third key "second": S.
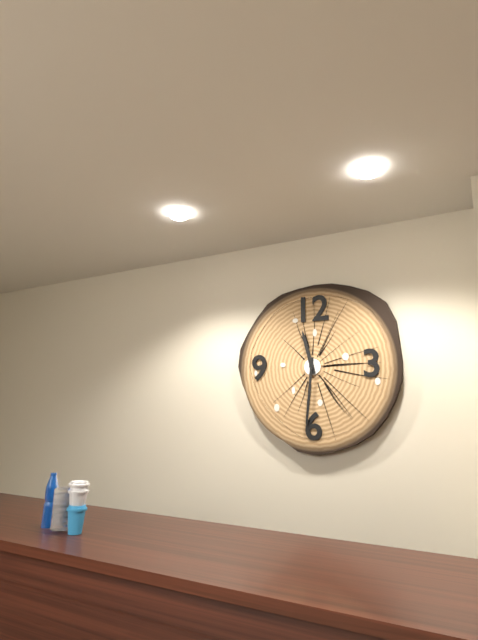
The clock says {"hour": 11, "minute": 31}
